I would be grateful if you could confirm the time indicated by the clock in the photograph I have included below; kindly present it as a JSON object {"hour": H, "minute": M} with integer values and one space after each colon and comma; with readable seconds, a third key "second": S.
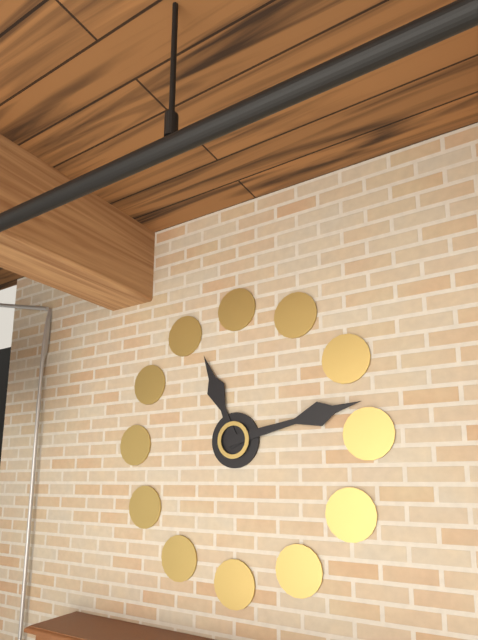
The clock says {"hour": 11, "minute": 13}
